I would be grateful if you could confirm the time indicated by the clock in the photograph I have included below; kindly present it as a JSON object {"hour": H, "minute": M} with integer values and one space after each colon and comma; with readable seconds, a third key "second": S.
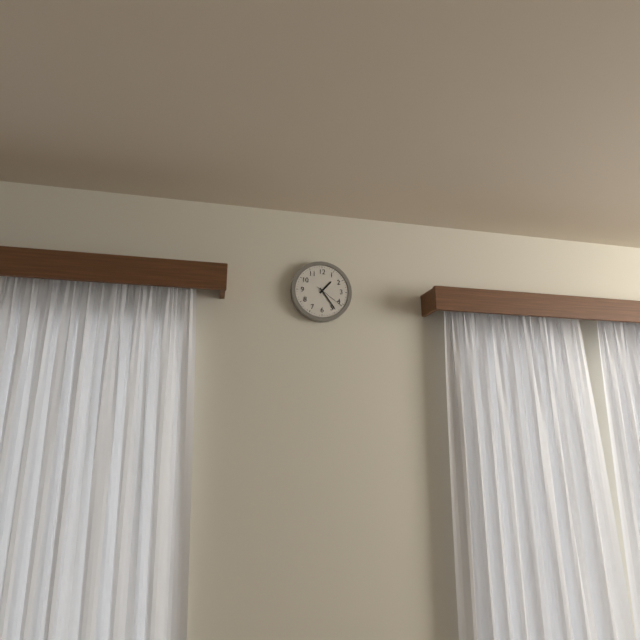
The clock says {"hour": 1, "minute": 24}
